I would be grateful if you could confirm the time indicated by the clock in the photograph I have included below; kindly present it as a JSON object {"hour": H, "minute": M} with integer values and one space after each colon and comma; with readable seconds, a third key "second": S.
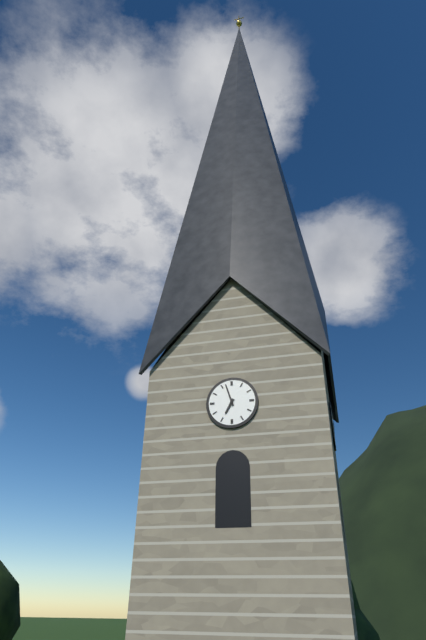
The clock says {"hour": 6, "minute": 57}
